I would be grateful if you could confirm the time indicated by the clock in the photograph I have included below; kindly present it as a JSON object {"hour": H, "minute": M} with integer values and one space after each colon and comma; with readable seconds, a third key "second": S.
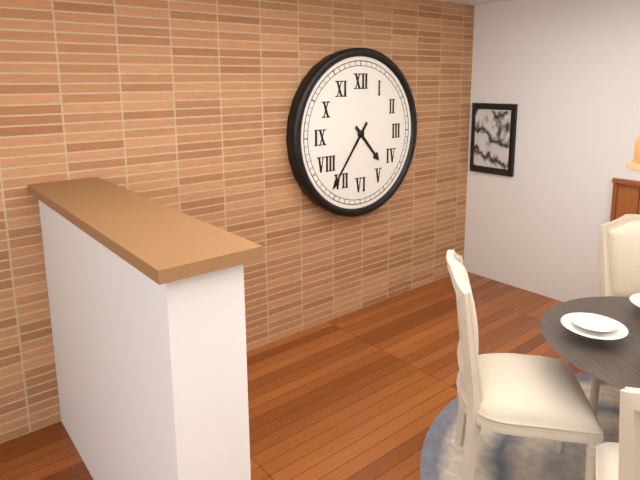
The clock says {"hour": 4, "minute": 36}
